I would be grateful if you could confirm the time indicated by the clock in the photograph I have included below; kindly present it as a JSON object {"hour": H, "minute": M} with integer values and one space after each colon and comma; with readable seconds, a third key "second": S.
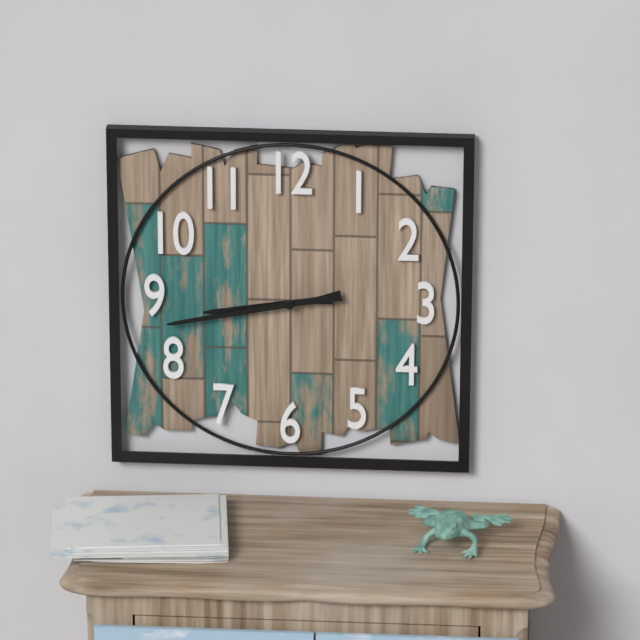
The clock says {"hour": 8, "minute": 43}
